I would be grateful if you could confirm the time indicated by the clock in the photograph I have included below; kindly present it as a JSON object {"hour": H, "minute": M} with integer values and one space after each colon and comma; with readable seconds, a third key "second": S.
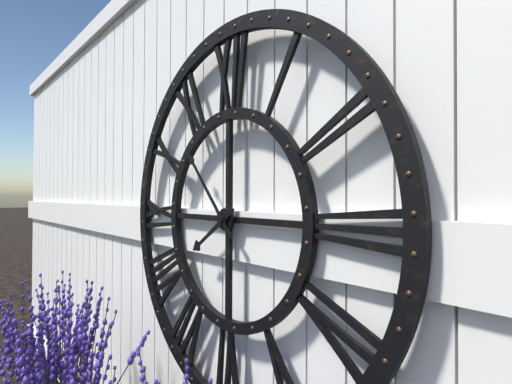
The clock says {"hour": 7, "minute": 53}
